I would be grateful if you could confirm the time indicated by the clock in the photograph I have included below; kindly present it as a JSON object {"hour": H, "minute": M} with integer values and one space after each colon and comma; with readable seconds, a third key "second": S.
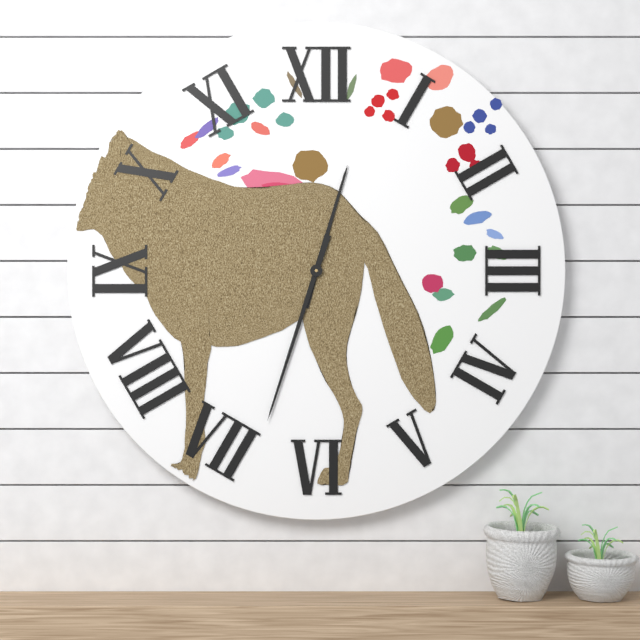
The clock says {"hour": 12, "minute": 33}
